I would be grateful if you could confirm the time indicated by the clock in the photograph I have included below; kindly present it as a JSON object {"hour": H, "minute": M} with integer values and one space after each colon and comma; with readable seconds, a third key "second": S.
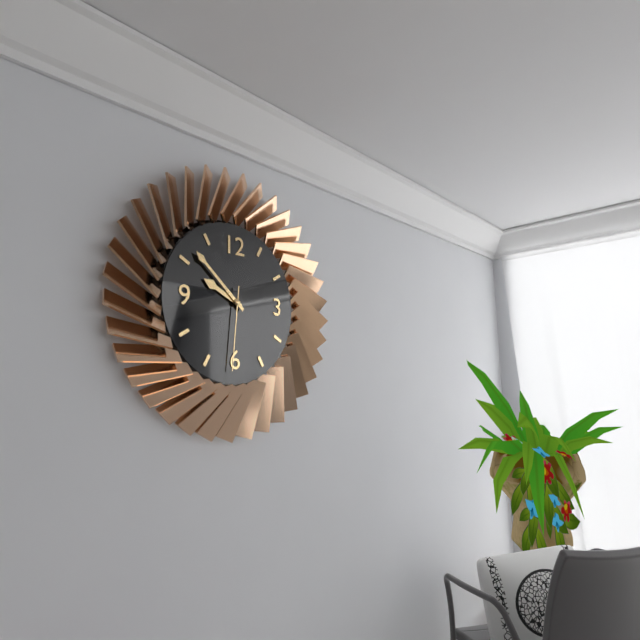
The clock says {"hour": 9, "minute": 52, "second": 31}
